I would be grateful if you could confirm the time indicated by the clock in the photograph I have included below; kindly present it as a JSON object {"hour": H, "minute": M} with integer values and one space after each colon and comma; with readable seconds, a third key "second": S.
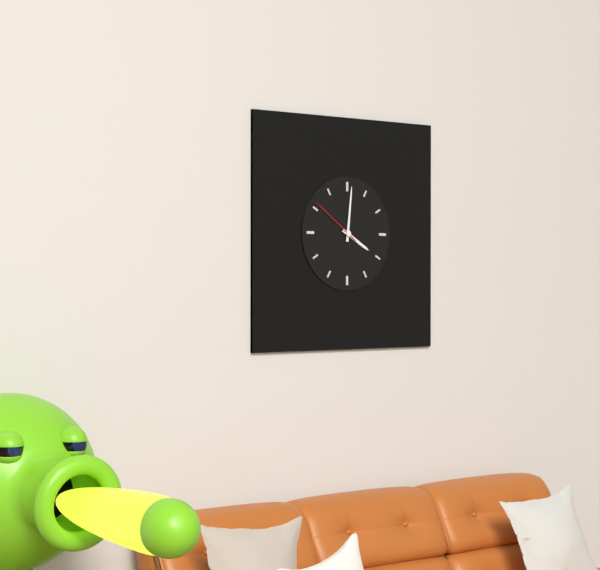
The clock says {"hour": 4, "minute": 1, "second": 51}
